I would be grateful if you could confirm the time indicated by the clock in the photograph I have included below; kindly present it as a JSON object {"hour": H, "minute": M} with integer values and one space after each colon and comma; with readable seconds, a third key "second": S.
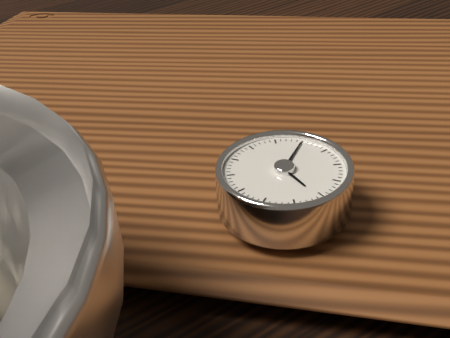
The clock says {"hour": 6, "minute": 10}
